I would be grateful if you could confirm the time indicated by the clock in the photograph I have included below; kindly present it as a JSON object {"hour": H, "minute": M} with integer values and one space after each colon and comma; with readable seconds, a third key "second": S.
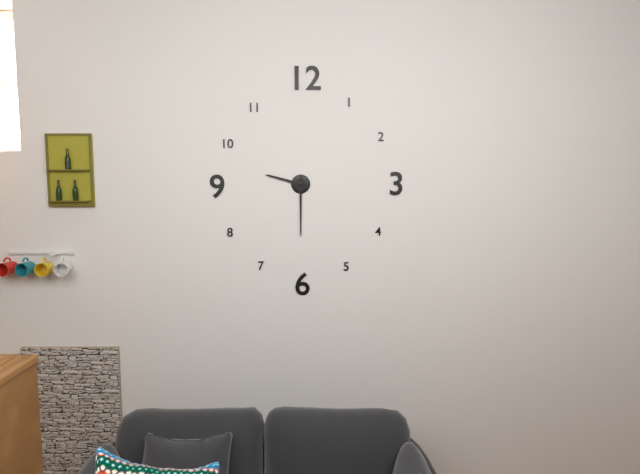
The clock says {"hour": 9, "minute": 30}
